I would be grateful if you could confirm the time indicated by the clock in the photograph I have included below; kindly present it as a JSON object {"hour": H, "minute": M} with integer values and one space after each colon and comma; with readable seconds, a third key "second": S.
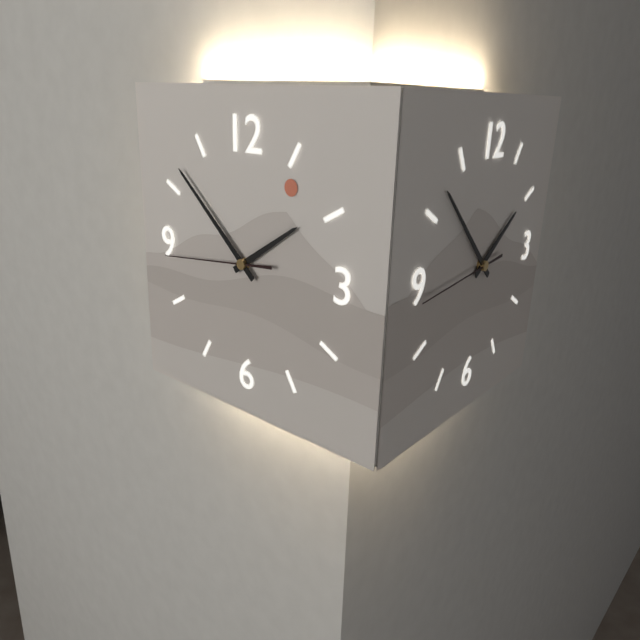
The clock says {"hour": 1, "minute": 52, "second": 44}
